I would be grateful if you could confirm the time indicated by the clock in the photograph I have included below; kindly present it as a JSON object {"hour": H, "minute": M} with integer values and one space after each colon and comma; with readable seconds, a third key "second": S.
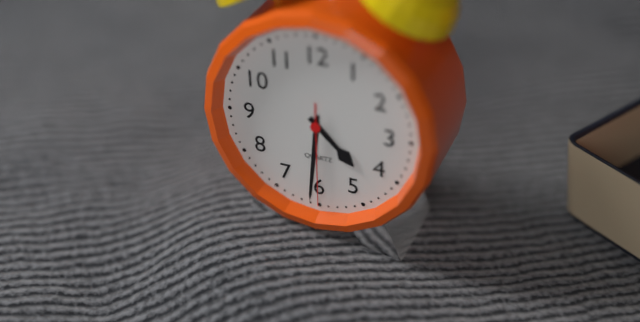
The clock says {"hour": 4, "minute": 31, "second": 30}
